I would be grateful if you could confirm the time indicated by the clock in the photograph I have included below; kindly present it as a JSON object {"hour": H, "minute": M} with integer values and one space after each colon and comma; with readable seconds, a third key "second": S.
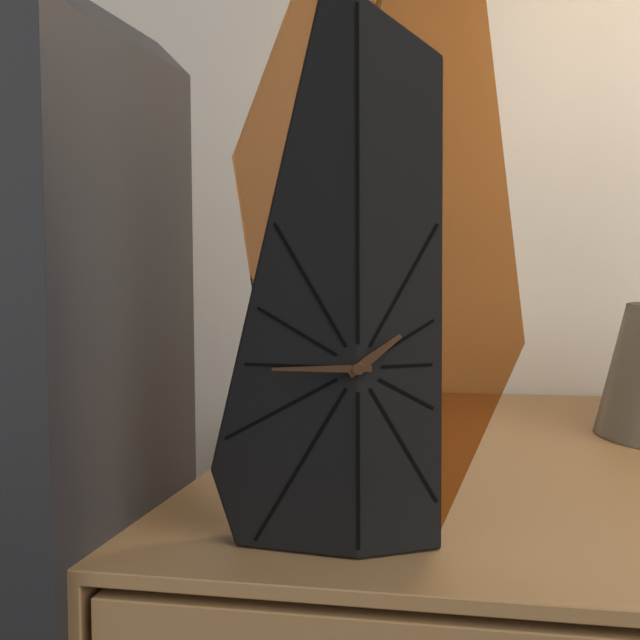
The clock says {"hour": 1, "minute": 45}
